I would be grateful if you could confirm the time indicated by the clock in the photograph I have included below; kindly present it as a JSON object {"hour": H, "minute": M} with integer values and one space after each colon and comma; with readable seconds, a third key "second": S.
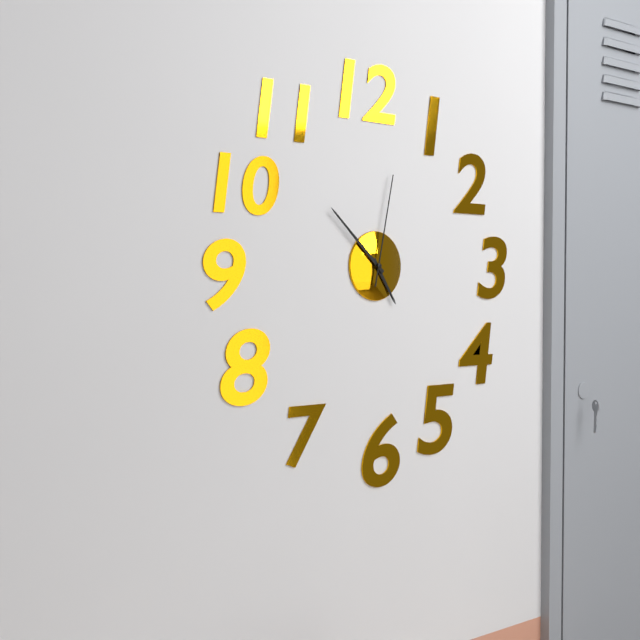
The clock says {"hour": 4, "minute": 52, "second": 2}
